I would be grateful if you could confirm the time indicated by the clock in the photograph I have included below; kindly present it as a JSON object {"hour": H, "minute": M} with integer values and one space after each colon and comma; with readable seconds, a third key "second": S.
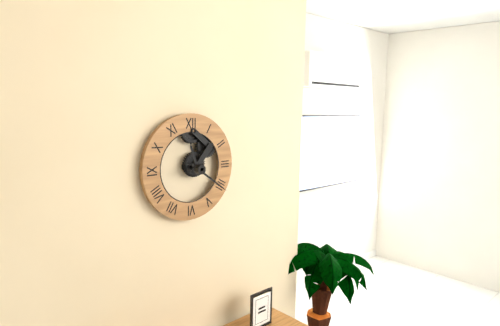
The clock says {"hour": 11, "minute": 21}
